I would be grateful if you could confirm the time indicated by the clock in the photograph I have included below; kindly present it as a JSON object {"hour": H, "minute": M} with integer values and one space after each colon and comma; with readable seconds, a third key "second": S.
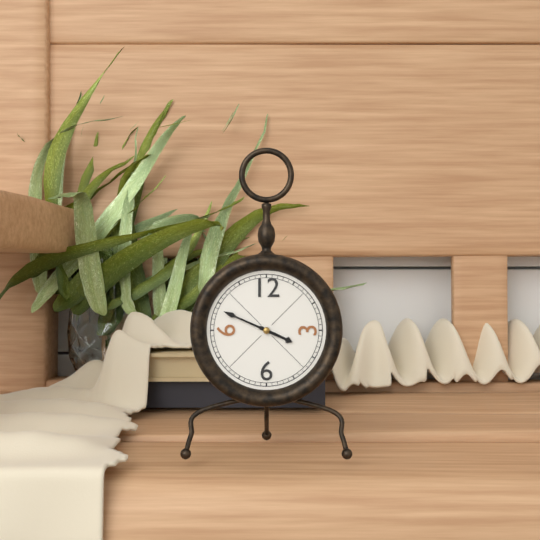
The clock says {"hour": 3, "minute": 49}
